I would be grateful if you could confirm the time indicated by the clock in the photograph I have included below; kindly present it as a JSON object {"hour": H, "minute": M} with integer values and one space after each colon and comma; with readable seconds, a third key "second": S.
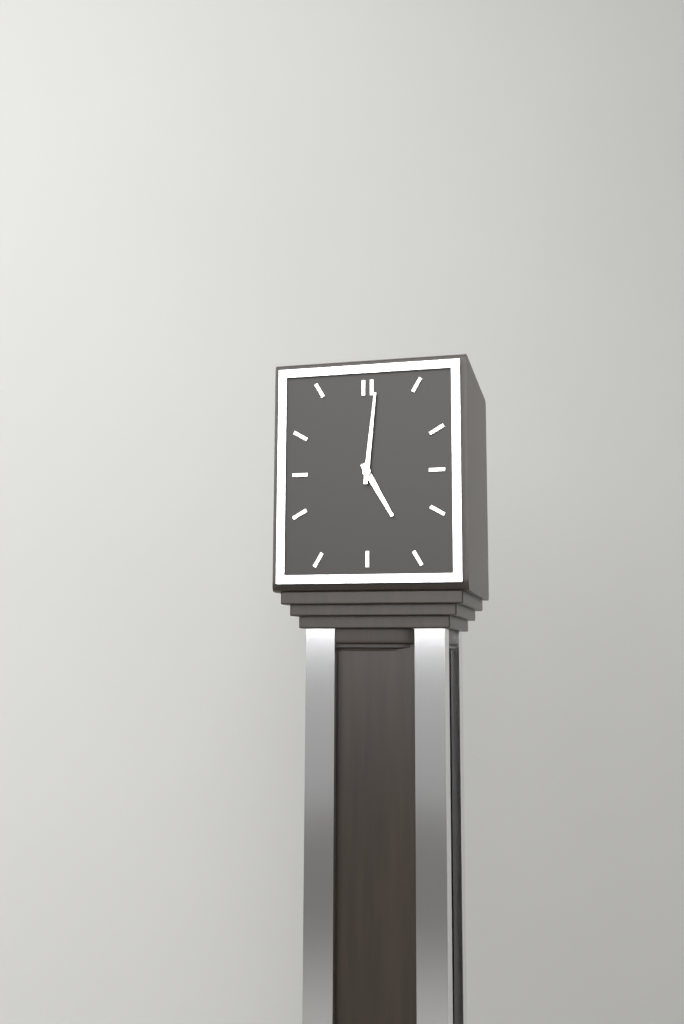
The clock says {"hour": 5, "minute": 1}
